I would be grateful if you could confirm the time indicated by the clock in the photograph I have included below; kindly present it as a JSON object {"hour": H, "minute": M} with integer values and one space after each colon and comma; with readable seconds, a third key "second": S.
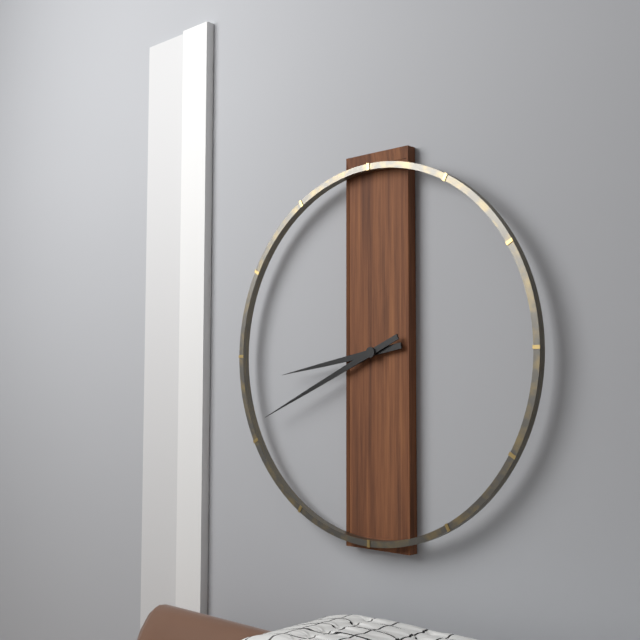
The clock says {"hour": 8, "minute": 41}
